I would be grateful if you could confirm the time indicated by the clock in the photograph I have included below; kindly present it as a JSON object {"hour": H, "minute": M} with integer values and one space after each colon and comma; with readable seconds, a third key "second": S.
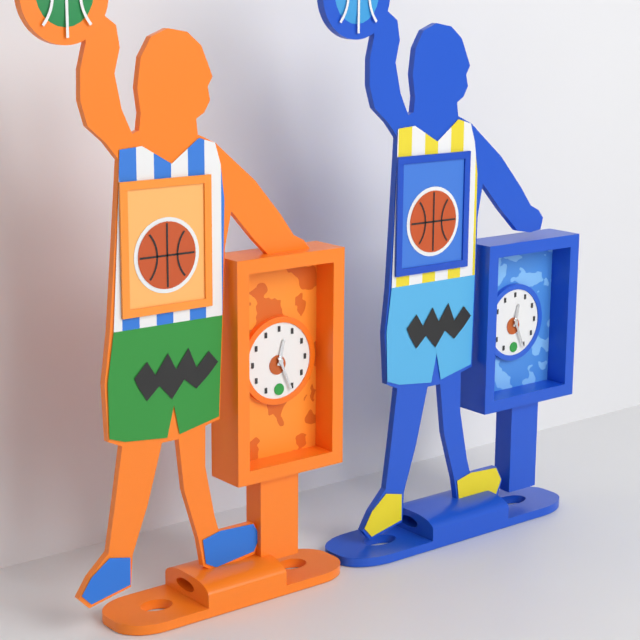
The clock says {"hour": 12, "minute": 26}
